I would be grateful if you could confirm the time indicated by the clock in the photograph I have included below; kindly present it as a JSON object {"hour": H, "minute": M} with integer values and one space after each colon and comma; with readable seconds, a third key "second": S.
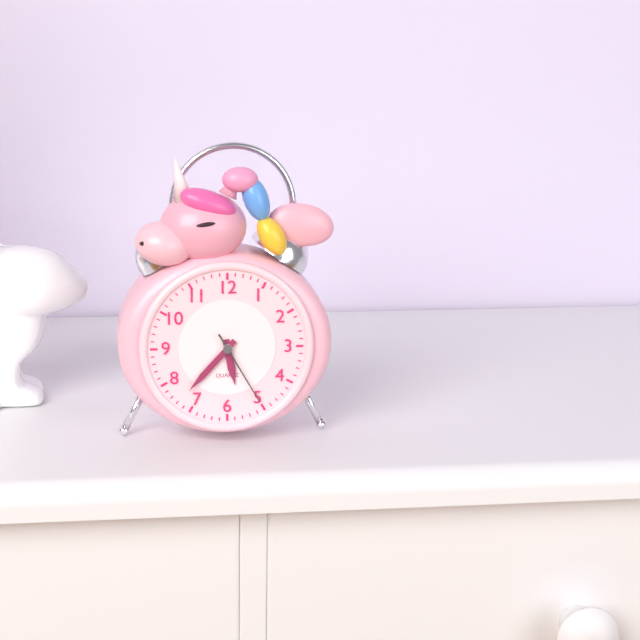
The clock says {"hour": 5, "minute": 37, "second": 25}
